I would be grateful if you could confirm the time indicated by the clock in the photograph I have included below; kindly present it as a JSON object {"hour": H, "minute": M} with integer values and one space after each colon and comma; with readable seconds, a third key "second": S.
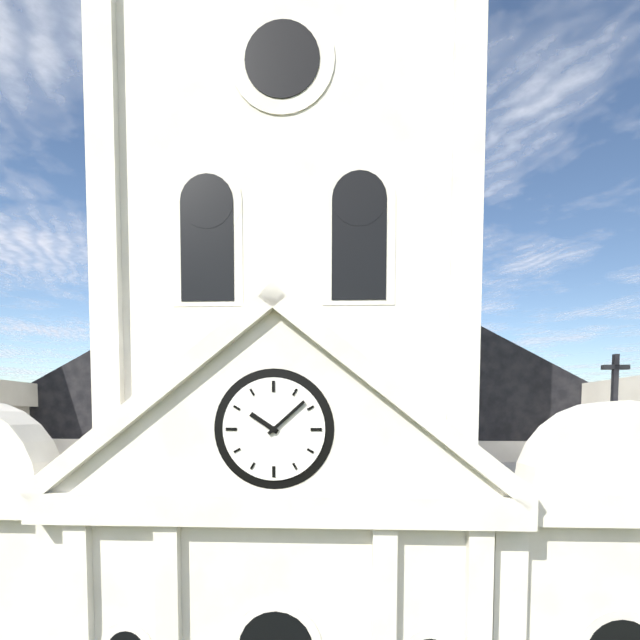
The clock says {"hour": 10, "minute": 8}
